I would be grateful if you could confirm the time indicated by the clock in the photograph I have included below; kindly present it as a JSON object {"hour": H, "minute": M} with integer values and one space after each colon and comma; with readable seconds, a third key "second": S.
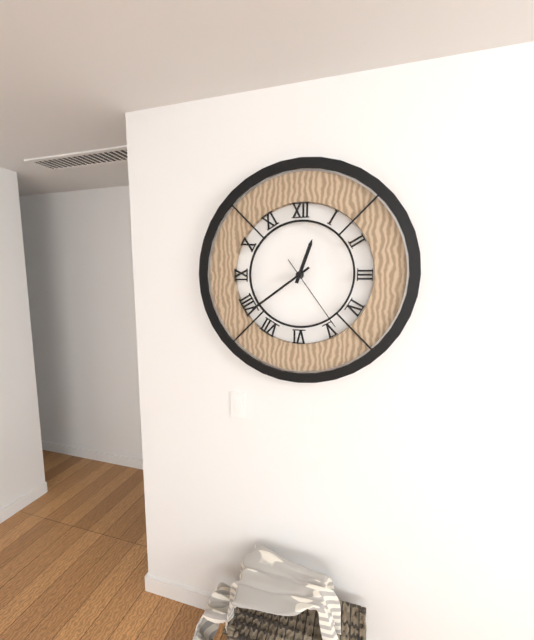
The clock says {"hour": 12, "minute": 39, "second": 24}
